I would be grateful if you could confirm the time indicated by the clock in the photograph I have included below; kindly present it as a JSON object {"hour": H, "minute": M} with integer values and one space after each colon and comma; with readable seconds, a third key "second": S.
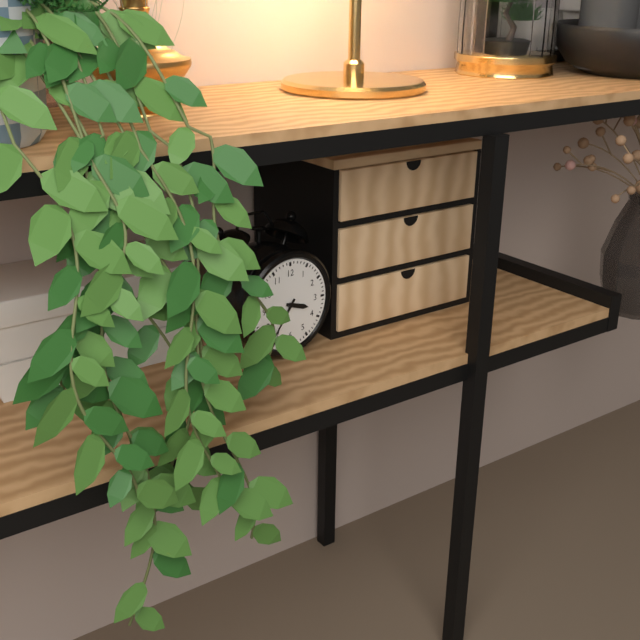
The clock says {"hour": 3, "minute": 36}
